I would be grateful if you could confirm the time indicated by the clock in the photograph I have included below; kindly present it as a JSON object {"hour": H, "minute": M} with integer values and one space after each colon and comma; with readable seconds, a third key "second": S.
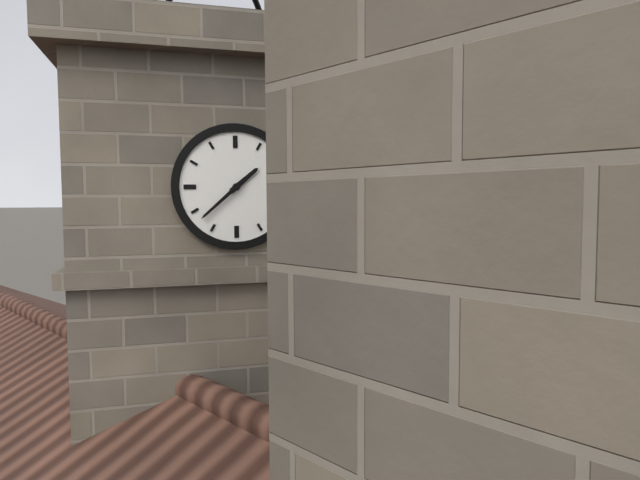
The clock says {"hour": 1, "minute": 38}
